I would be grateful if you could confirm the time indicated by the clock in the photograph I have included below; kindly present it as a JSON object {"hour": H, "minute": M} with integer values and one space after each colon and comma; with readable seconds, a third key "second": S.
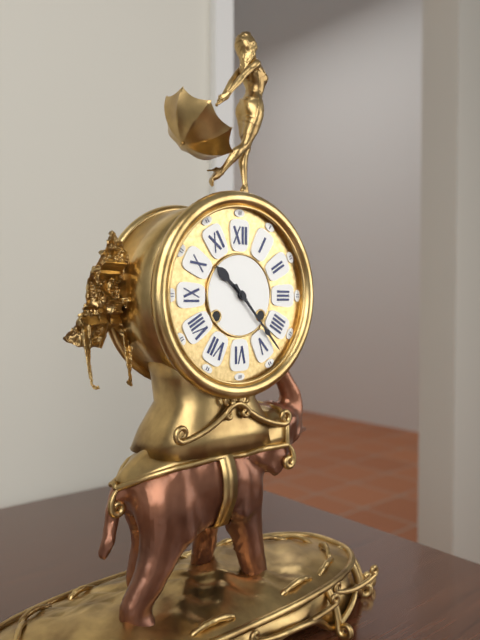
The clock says {"hour": 10, "minute": 23}
